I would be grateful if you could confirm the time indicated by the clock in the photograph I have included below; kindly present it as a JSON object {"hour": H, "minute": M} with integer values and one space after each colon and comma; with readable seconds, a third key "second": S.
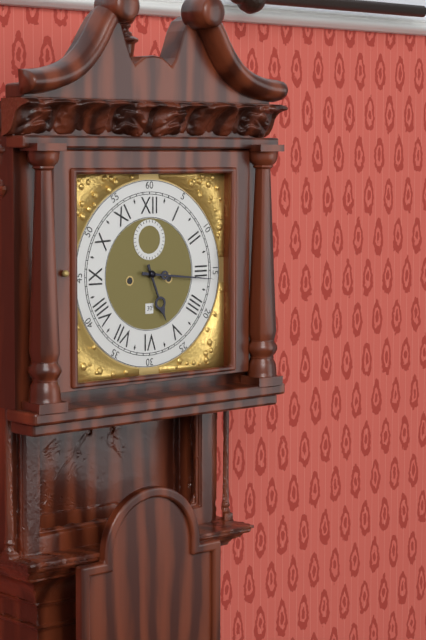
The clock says {"hour": 5, "minute": 16}
